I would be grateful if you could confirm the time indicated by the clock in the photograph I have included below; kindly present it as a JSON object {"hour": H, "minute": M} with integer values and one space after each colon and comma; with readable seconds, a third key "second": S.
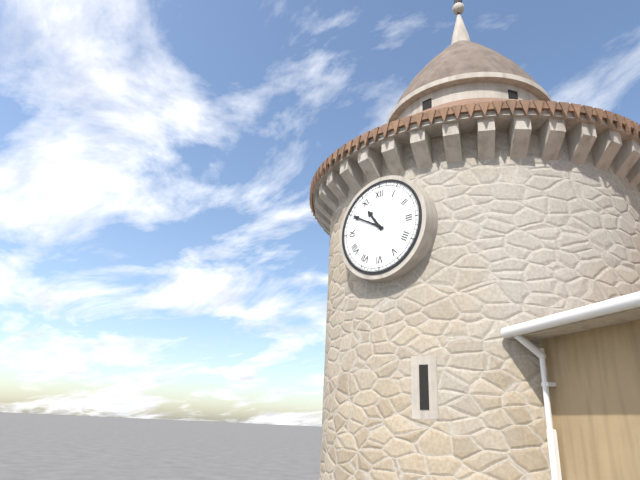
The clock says {"hour": 10, "minute": 50}
